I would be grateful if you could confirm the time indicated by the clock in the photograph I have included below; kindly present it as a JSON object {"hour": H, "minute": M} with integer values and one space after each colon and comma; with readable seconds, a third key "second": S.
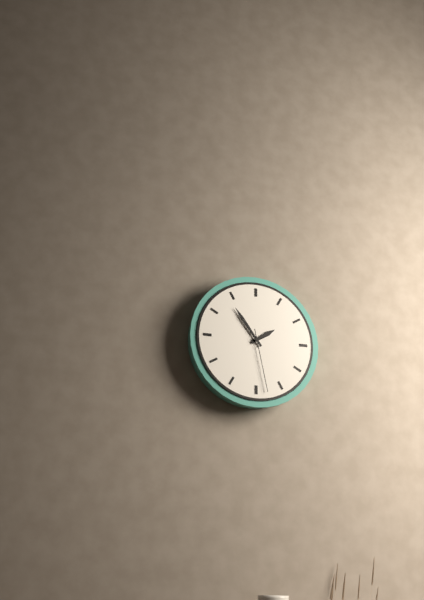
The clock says {"hour": 1, "minute": 54, "second": 28}
